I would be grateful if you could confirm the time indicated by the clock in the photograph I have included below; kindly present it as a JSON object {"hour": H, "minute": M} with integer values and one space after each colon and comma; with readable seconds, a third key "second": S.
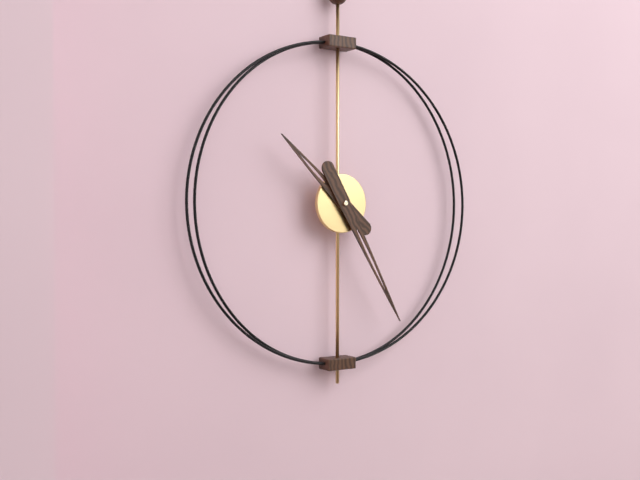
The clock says {"hour": 10, "minute": 25}
